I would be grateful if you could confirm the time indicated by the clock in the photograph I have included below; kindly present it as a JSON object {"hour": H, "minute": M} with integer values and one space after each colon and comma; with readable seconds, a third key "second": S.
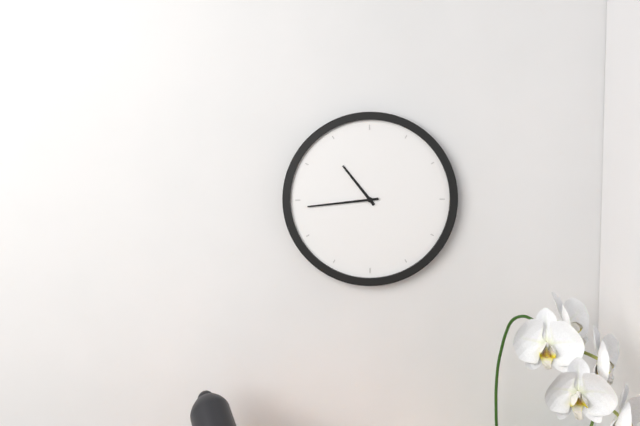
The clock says {"hour": 10, "minute": 44}
